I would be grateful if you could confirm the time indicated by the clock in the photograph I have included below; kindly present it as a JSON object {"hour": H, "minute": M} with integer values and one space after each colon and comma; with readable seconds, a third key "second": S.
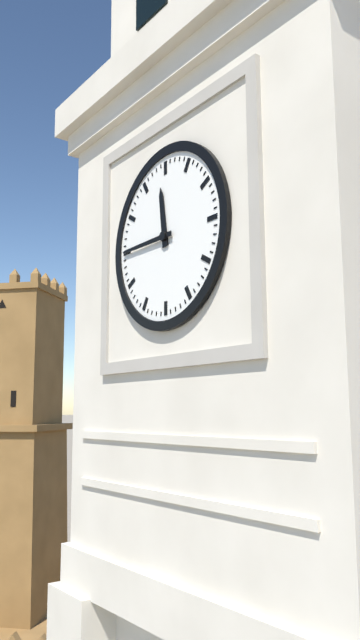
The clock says {"hour": 11, "minute": 45}
